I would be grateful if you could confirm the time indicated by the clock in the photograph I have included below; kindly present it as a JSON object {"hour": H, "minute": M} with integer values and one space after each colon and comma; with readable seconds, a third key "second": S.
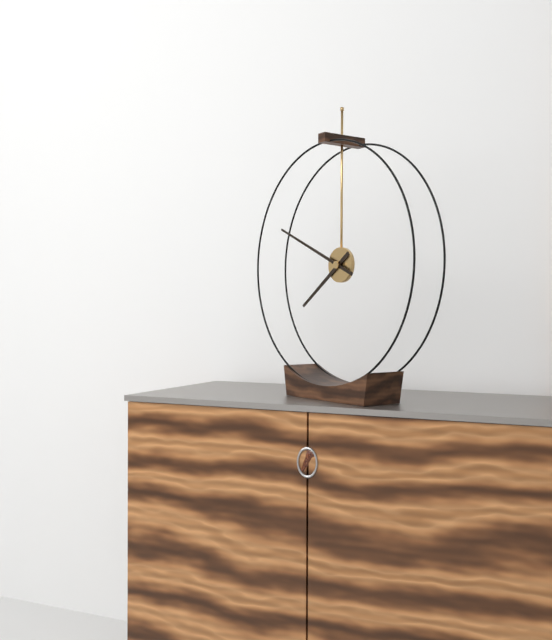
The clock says {"hour": 7, "minute": 49}
